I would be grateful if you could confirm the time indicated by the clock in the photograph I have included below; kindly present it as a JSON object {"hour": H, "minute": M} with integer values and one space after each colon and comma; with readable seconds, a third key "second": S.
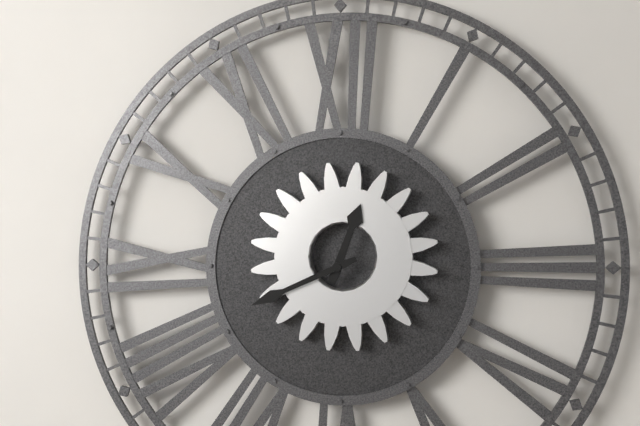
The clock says {"hour": 12, "minute": 41}
